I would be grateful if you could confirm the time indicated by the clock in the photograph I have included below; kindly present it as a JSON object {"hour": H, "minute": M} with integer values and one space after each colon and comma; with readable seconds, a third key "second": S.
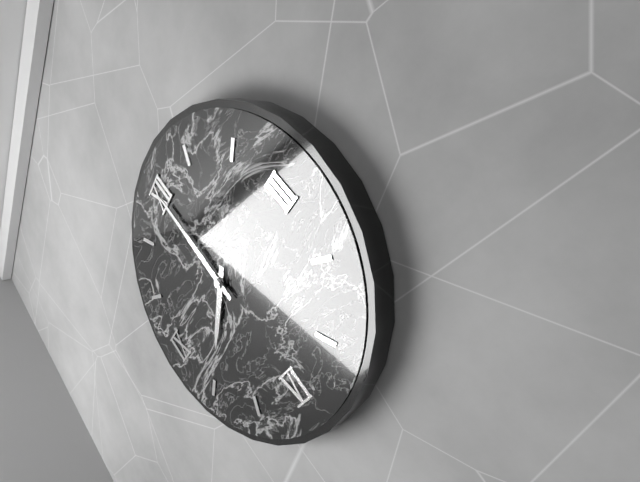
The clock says {"hour": 8, "minute": 0}
